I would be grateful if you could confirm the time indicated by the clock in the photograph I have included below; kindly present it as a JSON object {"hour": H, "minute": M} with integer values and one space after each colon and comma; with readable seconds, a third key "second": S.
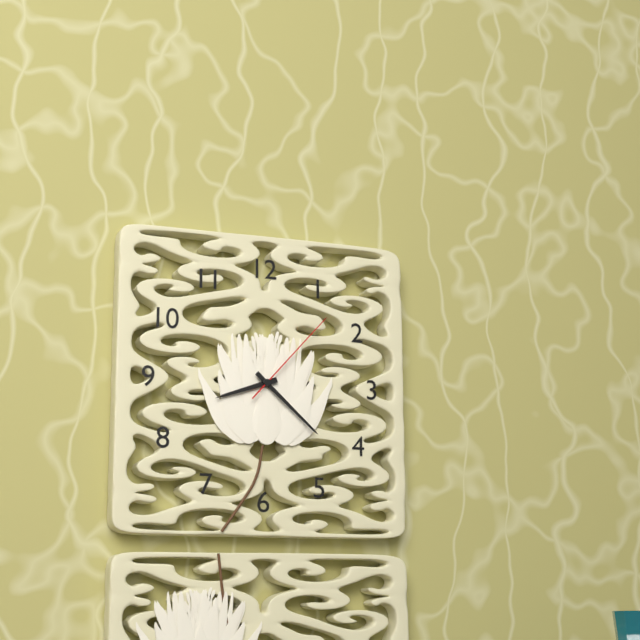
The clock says {"hour": 8, "minute": 22, "second": 7}
